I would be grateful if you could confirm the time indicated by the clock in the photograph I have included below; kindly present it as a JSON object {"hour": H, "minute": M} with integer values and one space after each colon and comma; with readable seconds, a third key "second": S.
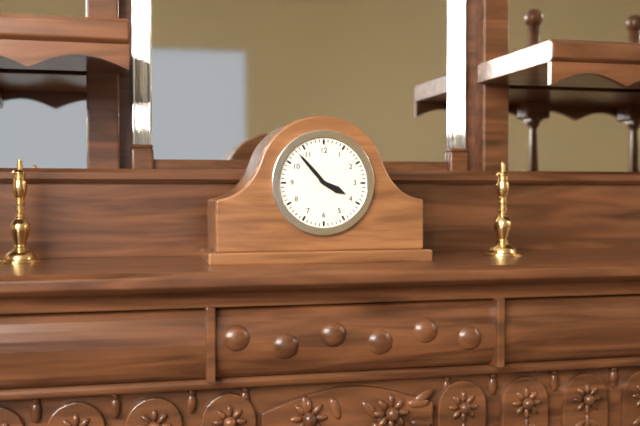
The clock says {"hour": 3, "minute": 53}
